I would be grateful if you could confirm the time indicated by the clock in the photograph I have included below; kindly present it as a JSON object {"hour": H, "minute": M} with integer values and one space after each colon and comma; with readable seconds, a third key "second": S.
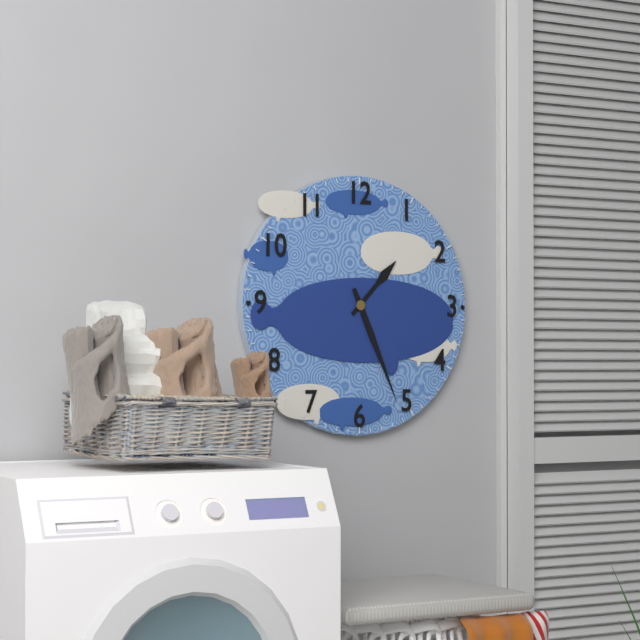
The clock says {"hour": 1, "minute": 26}
